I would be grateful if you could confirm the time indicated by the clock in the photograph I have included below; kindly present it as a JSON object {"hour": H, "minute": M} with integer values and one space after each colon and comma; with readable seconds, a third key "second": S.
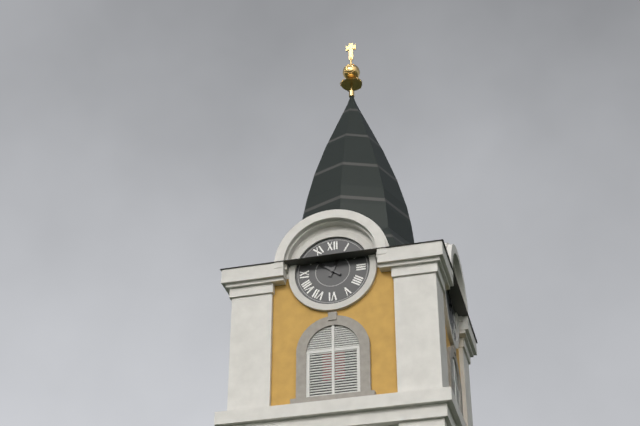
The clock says {"hour": 12, "minute": 51}
